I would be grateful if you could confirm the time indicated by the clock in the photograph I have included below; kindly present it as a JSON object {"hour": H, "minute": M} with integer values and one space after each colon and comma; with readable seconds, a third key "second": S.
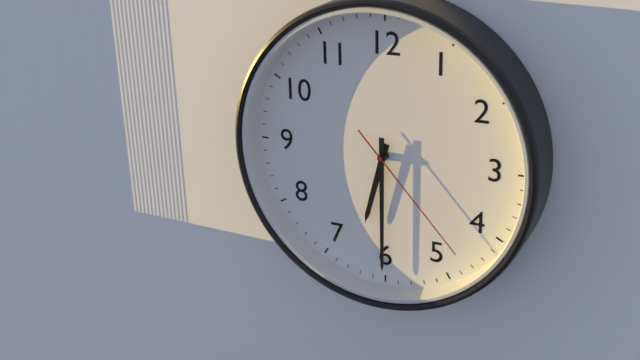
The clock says {"hour": 6, "minute": 30, "second": 23}
